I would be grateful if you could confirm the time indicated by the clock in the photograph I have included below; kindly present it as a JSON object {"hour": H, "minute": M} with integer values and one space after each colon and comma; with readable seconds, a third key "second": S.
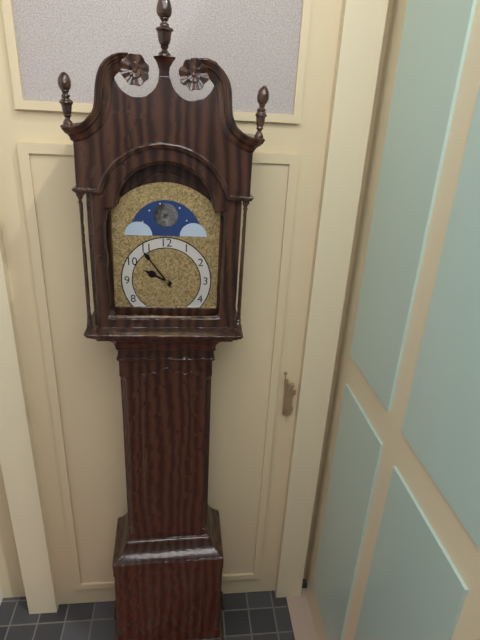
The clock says {"hour": 9, "minute": 54}
